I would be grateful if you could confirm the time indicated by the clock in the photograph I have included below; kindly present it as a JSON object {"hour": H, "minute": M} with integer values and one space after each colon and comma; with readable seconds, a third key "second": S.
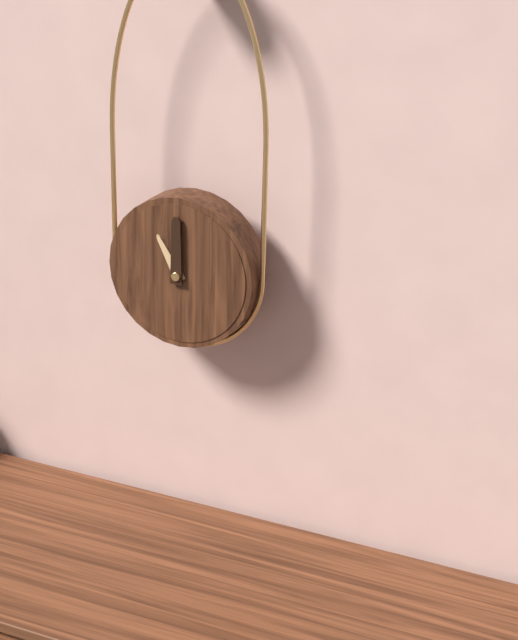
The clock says {"hour": 11, "minute": 0}
